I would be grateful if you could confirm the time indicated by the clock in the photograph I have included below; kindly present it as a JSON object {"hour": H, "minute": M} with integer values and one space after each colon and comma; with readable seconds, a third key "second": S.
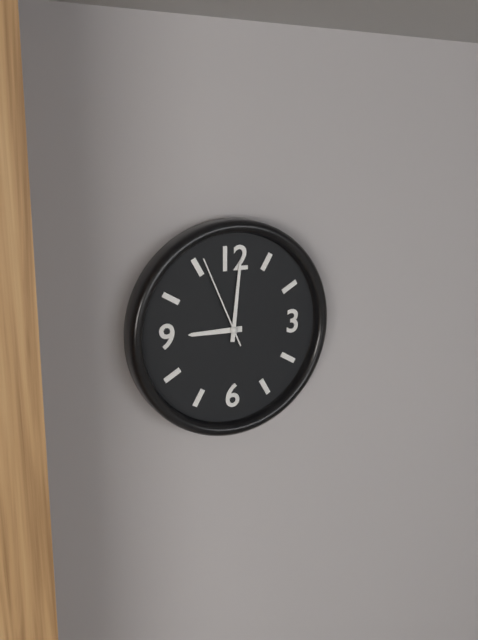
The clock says {"hour": 9, "minute": 1, "second": 56}
